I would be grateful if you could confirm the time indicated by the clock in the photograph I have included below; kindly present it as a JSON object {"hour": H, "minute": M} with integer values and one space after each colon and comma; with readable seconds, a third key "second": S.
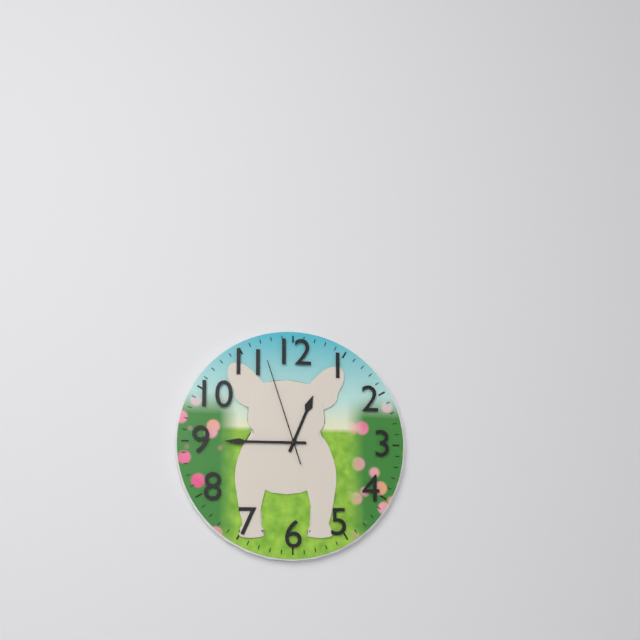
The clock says {"hour": 12, "minute": 45, "second": 57}
